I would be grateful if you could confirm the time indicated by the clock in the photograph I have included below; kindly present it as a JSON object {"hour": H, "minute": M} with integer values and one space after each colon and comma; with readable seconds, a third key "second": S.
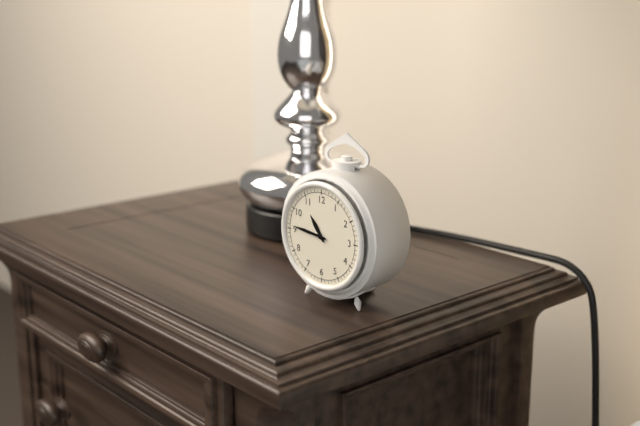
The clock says {"hour": 10, "minute": 46}
